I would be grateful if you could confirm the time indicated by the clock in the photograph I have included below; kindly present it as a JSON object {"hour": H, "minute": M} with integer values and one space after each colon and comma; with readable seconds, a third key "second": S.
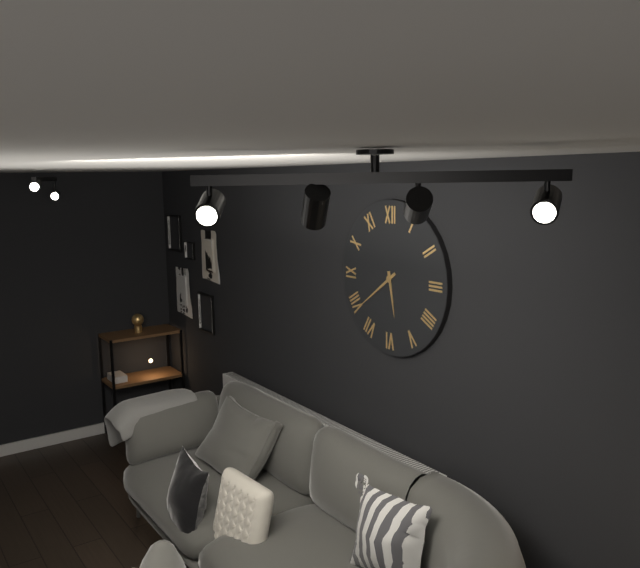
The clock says {"hour": 5, "minute": 39}
